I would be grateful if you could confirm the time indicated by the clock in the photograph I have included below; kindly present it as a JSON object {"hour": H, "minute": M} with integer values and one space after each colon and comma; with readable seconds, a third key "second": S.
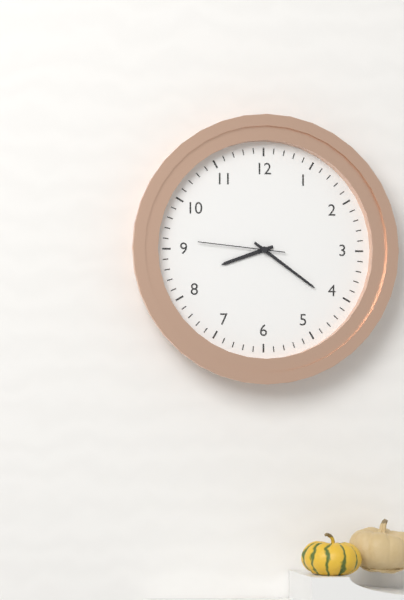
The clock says {"hour": 8, "minute": 21, "second": 46}
